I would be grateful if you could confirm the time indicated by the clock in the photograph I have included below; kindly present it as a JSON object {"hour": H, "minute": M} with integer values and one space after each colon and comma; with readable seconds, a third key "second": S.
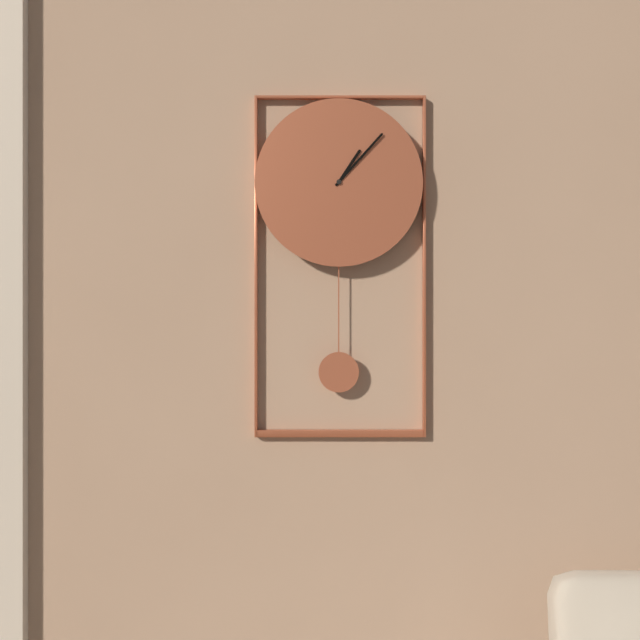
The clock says {"hour": 1, "minute": 7}
